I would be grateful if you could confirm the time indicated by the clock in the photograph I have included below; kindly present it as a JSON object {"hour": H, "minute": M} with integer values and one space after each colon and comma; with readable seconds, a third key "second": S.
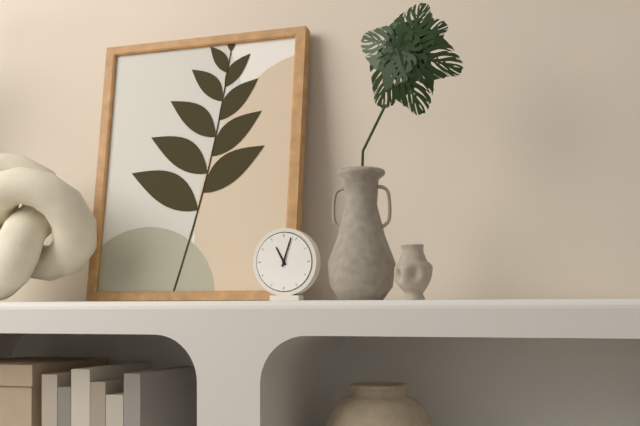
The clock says {"hour": 11, "minute": 3}
